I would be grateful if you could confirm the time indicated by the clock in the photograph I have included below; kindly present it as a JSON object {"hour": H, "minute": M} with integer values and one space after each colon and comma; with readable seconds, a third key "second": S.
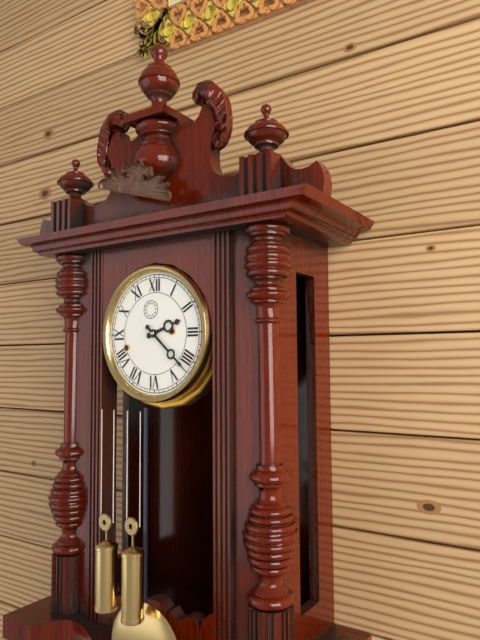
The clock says {"hour": 2, "minute": 22}
